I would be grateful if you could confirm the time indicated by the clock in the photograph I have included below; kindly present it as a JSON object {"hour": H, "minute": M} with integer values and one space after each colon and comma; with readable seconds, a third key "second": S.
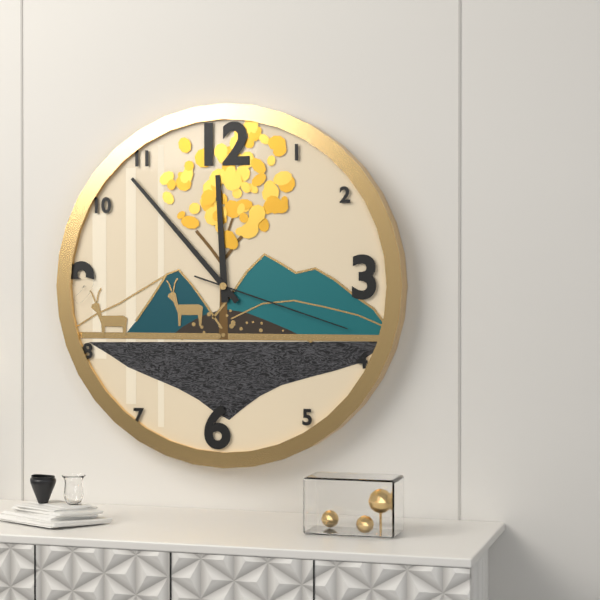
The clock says {"hour": 11, "minute": 53, "second": 18}
